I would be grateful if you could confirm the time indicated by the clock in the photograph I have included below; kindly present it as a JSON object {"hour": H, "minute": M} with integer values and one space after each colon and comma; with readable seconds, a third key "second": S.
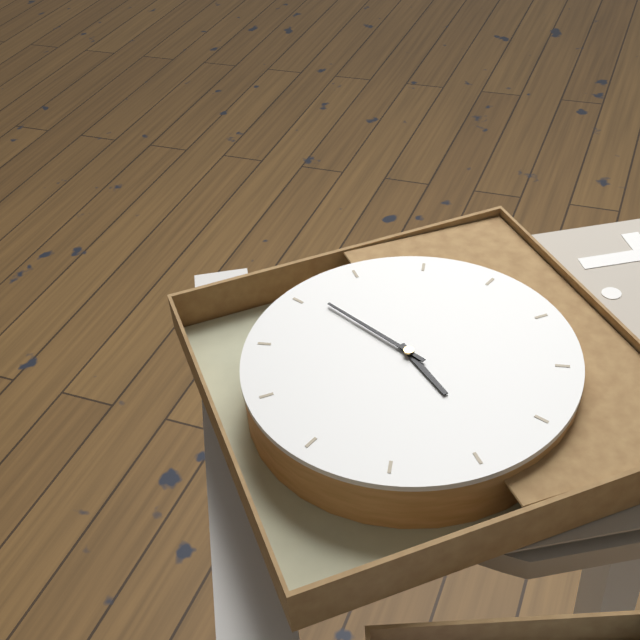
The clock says {"hour": 3, "minute": 46}
